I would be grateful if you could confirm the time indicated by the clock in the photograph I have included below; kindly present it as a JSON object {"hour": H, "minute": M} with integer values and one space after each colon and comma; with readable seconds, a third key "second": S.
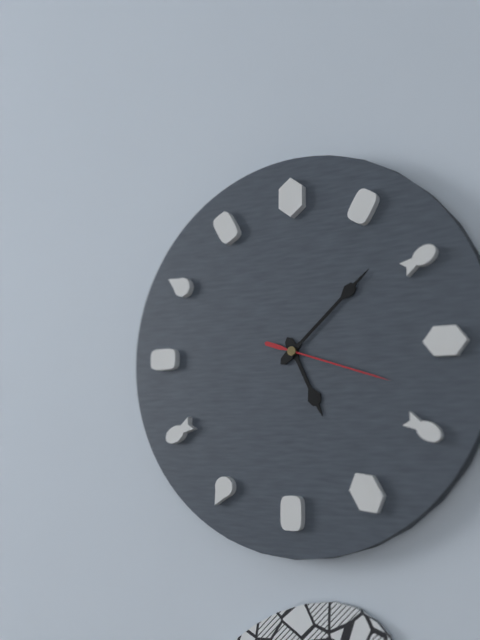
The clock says {"hour": 5, "minute": 8, "second": 18}
